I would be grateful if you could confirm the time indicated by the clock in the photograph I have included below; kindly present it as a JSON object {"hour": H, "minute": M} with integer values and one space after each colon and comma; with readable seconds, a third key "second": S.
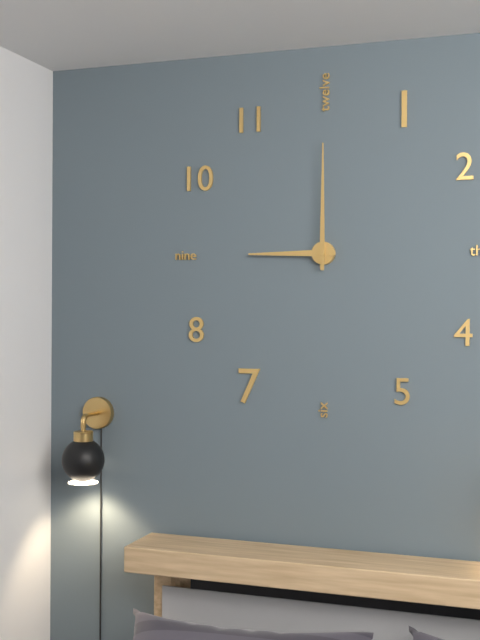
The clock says {"hour": 9, "minute": 0}
